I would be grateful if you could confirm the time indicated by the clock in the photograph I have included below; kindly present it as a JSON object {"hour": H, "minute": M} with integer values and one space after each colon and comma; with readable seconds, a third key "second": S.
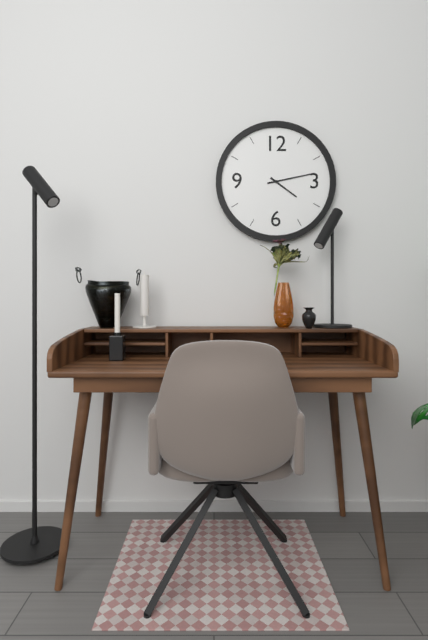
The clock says {"hour": 4, "minute": 13}
